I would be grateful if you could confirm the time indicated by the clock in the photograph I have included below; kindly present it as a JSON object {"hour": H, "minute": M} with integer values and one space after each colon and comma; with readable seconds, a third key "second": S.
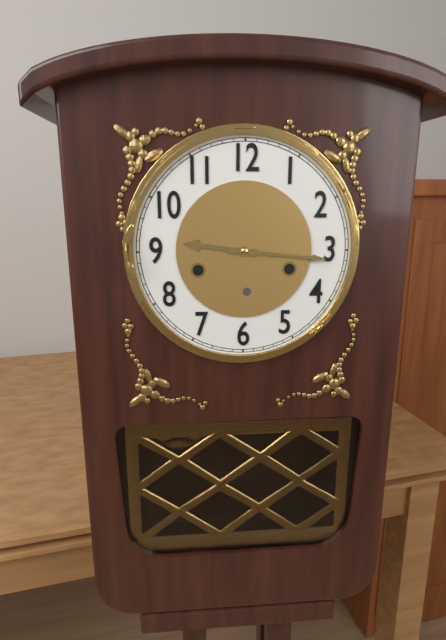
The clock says {"hour": 9, "minute": 16}
